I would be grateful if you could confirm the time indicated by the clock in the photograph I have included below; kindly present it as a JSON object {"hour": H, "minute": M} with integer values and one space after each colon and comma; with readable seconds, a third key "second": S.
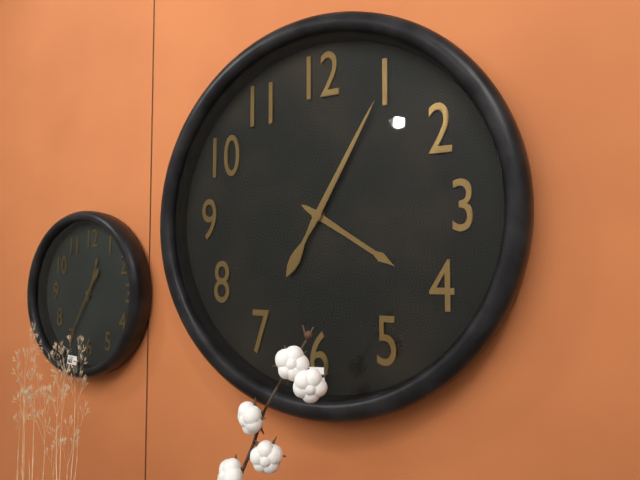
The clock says {"hour": 4, "minute": 5}
